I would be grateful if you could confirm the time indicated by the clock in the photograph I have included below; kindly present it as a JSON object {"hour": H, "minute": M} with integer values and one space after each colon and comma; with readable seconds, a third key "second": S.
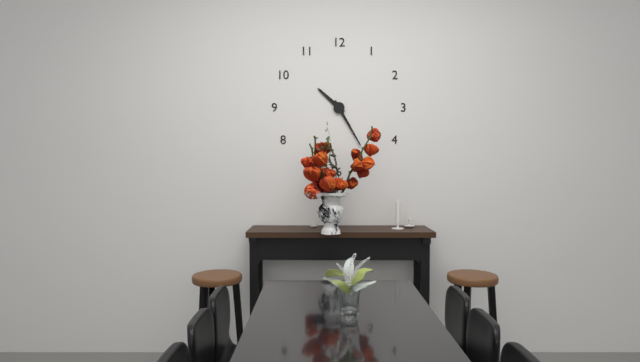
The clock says {"hour": 10, "minute": 25}
